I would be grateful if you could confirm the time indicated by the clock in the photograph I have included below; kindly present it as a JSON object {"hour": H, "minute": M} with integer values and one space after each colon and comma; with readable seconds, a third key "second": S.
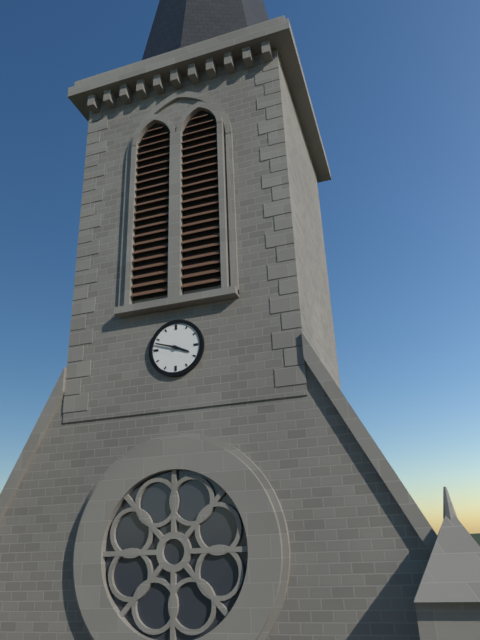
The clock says {"hour": 3, "minute": 48}
